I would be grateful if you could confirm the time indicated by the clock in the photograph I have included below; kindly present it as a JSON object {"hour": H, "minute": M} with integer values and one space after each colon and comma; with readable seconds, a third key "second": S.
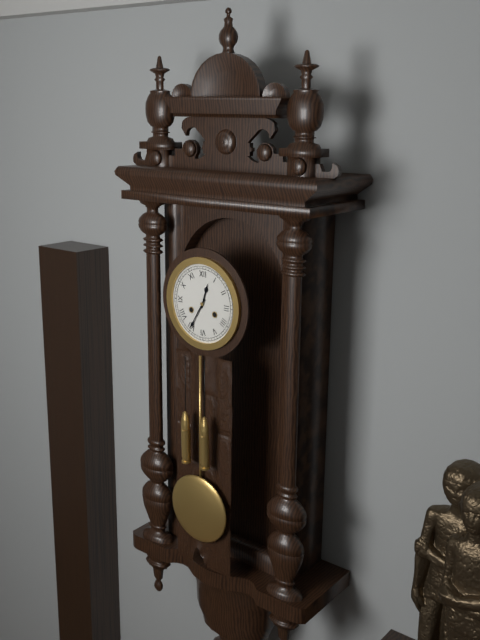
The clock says {"hour": 12, "minute": 35}
